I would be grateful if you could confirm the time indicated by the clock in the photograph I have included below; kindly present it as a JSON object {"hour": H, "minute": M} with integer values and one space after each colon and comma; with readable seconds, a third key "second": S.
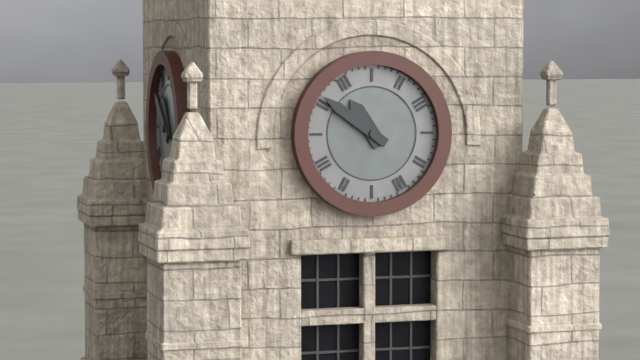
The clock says {"hour": 10, "minute": 51}
